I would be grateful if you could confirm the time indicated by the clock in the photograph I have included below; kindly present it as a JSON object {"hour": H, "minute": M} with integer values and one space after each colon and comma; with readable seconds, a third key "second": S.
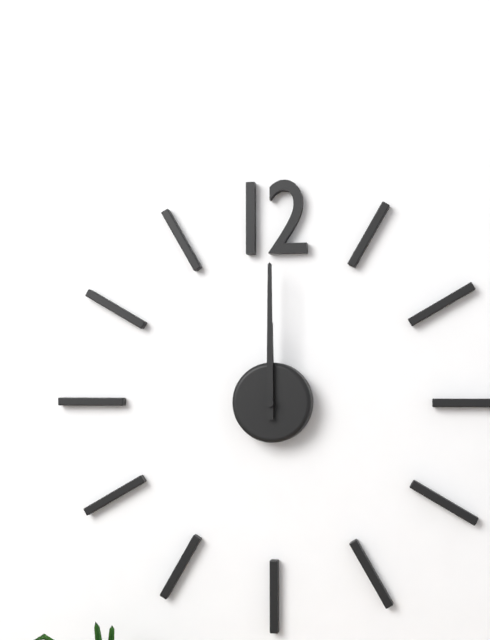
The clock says {"hour": 12, "minute": 0}
